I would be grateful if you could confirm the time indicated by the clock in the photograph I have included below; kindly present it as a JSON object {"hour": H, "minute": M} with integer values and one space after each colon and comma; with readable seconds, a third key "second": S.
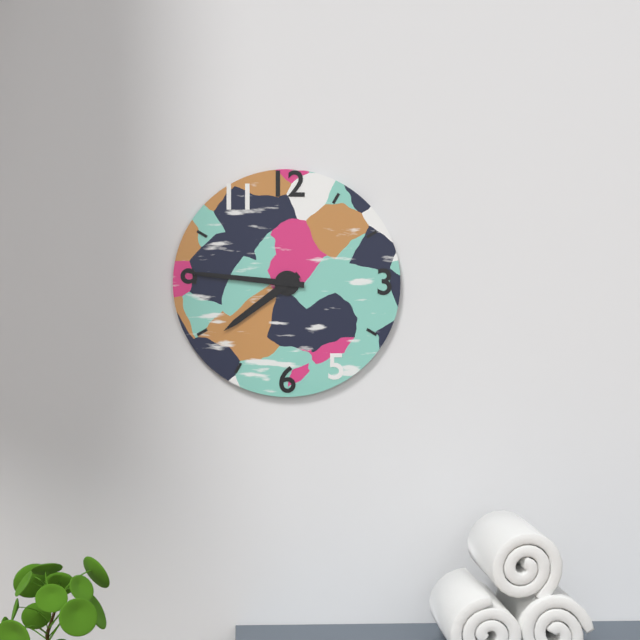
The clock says {"hour": 7, "minute": 46}
